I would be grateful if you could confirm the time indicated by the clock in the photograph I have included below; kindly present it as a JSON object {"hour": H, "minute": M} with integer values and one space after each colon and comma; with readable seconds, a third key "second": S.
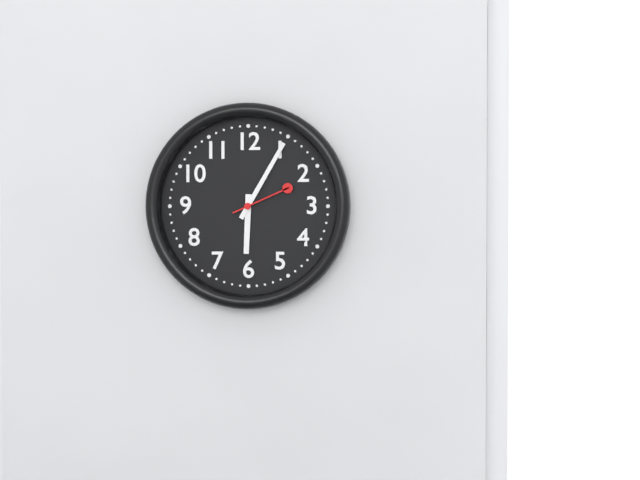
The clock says {"hour": 6, "minute": 5, "second": 11}
